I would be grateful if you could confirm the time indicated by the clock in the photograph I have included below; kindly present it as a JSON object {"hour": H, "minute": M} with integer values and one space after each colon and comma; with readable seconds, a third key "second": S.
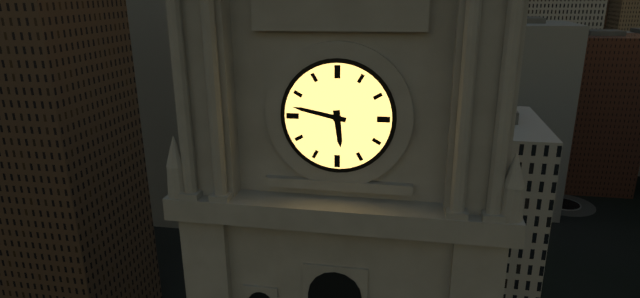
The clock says {"hour": 5, "minute": 47}
